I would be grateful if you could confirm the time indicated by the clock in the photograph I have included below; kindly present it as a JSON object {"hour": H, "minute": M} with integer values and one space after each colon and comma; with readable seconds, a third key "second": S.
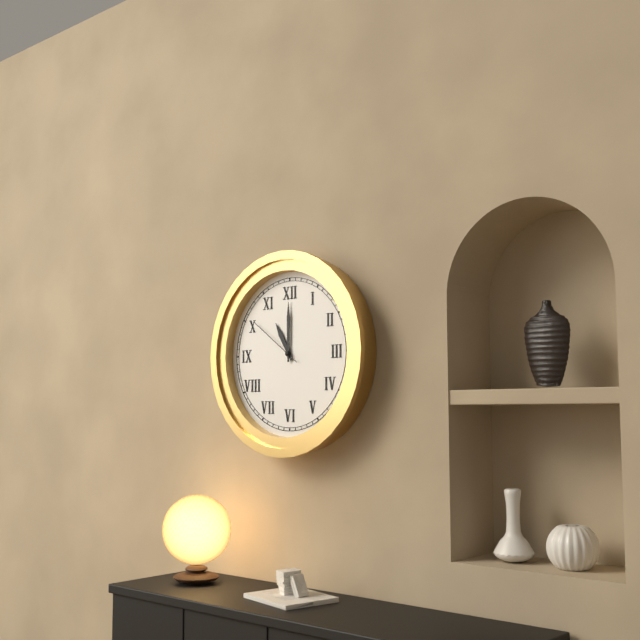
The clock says {"hour": 11, "minute": 0, "second": 51}
